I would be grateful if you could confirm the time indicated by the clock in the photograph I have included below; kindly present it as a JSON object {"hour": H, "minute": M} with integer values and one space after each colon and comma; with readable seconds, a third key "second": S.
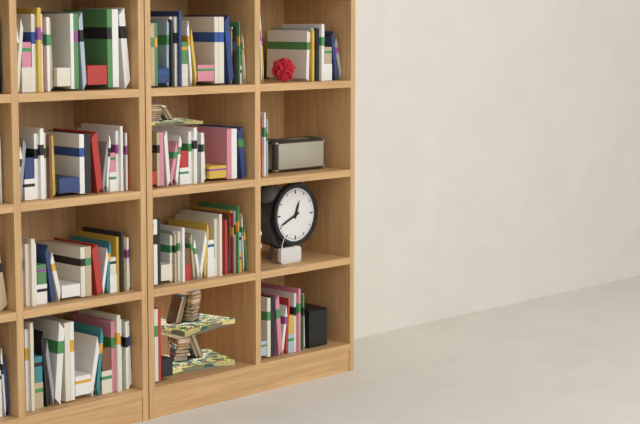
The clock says {"hour": 12, "minute": 41}
